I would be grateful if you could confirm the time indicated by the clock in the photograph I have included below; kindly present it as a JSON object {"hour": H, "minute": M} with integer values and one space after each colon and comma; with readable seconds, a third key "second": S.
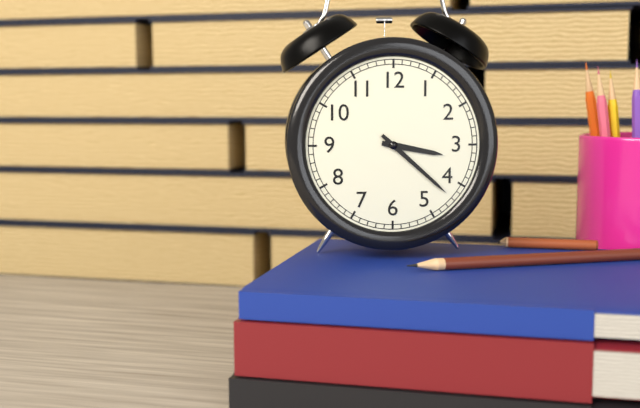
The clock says {"hour": 3, "minute": 22}
